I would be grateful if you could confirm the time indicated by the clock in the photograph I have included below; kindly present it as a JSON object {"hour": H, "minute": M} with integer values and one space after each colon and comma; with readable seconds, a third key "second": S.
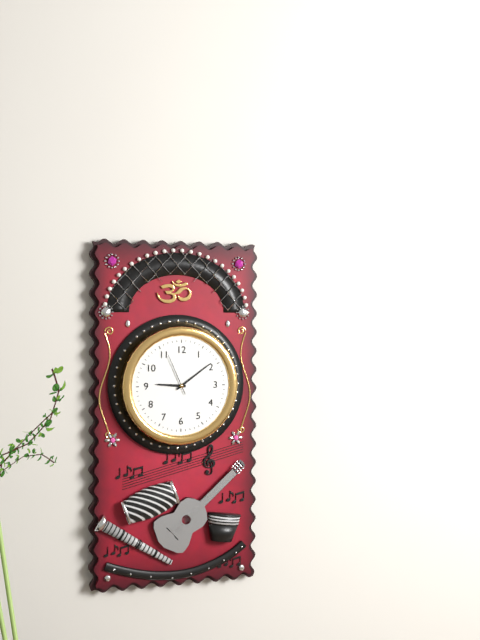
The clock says {"hour": 9, "minute": 9}
